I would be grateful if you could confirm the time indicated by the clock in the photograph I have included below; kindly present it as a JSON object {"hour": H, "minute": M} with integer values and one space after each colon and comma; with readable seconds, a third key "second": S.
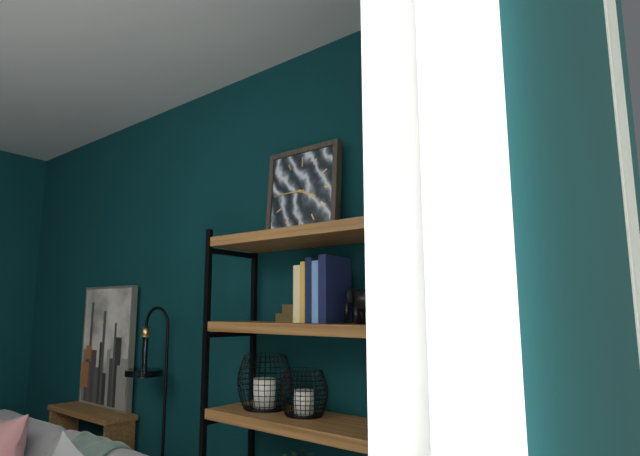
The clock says {"hour": 3, "minute": 45}
